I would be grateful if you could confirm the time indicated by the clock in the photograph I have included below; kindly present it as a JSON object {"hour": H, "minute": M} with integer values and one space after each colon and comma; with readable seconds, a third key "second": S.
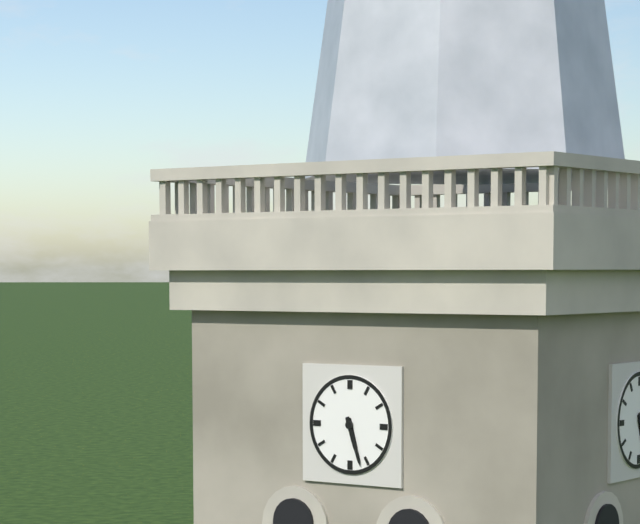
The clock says {"hour": 5, "minute": 27}
